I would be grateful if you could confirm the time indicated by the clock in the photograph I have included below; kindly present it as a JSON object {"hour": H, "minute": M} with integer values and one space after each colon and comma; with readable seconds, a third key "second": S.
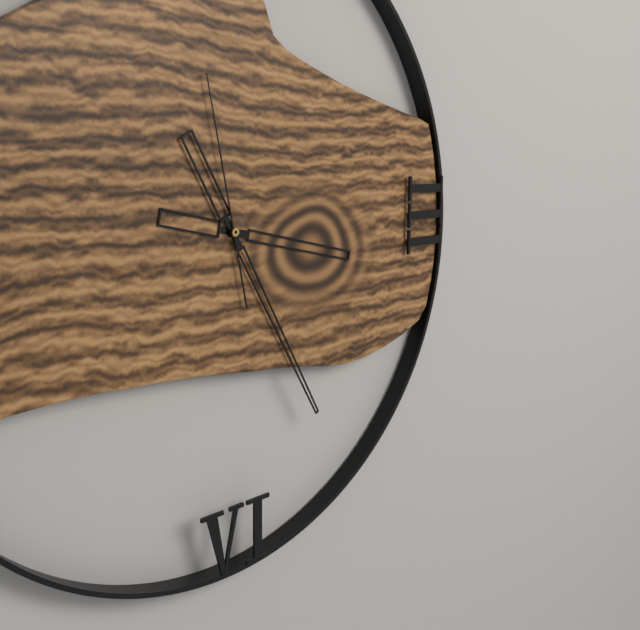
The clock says {"hour": 3, "minute": 25, "second": 58}
